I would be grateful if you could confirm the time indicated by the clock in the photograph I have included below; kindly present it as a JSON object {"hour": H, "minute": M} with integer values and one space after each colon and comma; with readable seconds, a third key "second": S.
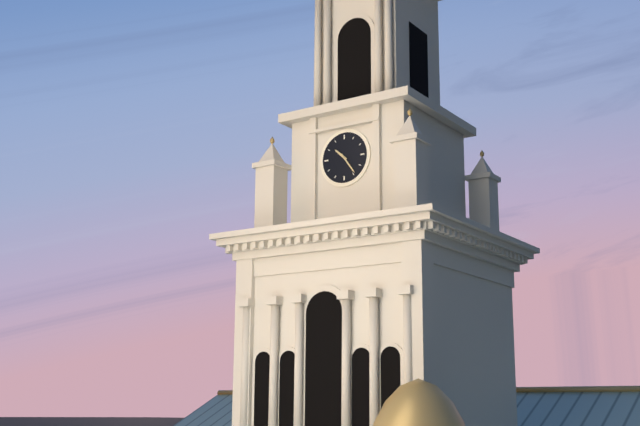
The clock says {"hour": 10, "minute": 24}
